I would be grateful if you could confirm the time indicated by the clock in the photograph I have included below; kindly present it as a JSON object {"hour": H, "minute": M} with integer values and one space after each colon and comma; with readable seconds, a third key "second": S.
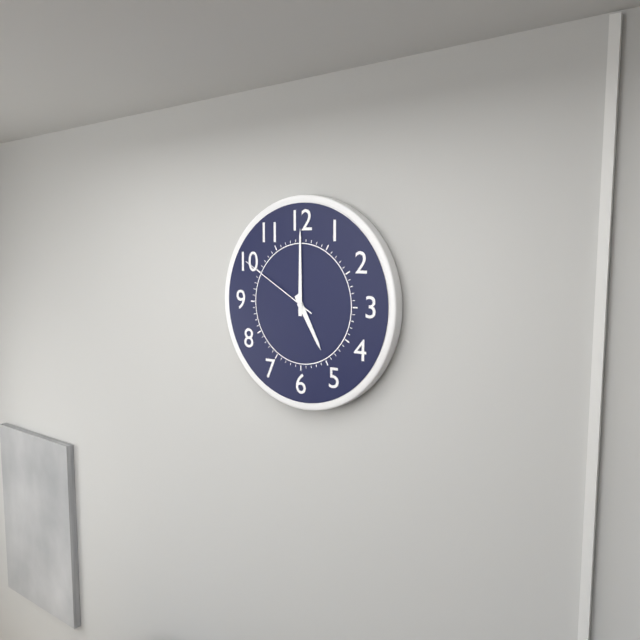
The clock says {"hour": 5, "minute": 0, "second": 50}
